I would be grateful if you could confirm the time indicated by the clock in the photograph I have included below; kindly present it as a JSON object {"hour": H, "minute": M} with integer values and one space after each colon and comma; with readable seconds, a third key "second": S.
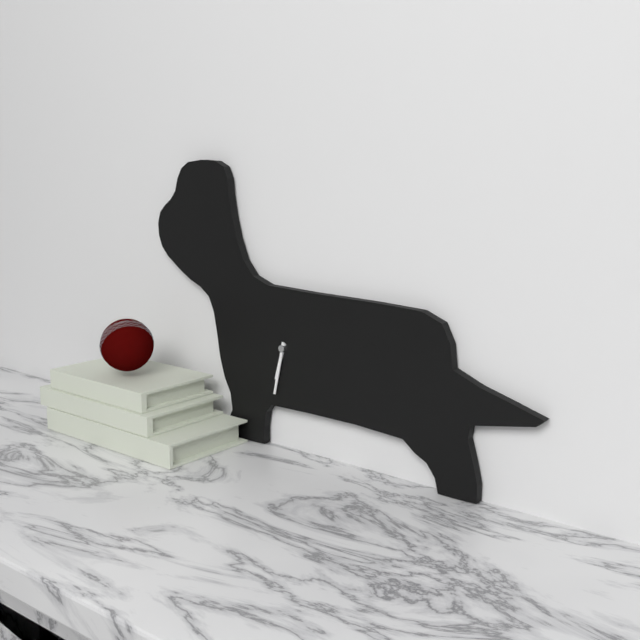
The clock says {"hour": 6, "minute": 32}
